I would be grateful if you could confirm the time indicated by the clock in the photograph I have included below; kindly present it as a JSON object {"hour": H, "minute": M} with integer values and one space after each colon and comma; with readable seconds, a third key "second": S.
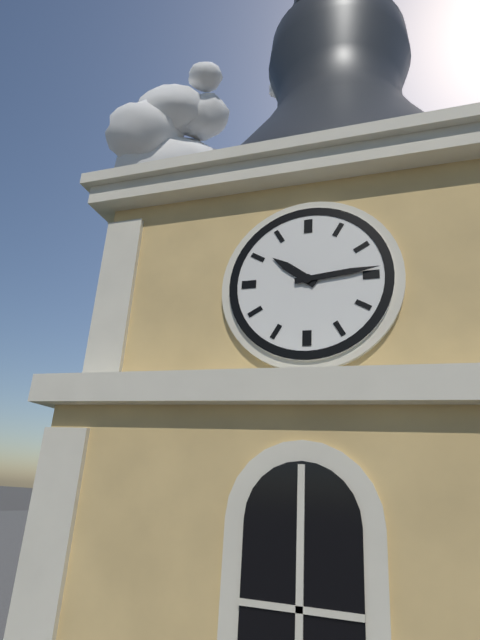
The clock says {"hour": 10, "minute": 14}
